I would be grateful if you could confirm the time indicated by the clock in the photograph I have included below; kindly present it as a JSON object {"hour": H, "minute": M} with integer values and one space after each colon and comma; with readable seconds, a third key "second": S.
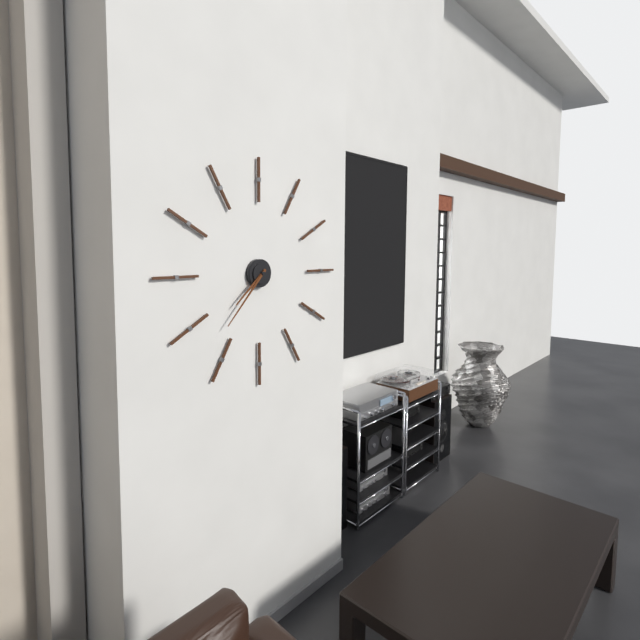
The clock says {"hour": 7, "minute": 37}
